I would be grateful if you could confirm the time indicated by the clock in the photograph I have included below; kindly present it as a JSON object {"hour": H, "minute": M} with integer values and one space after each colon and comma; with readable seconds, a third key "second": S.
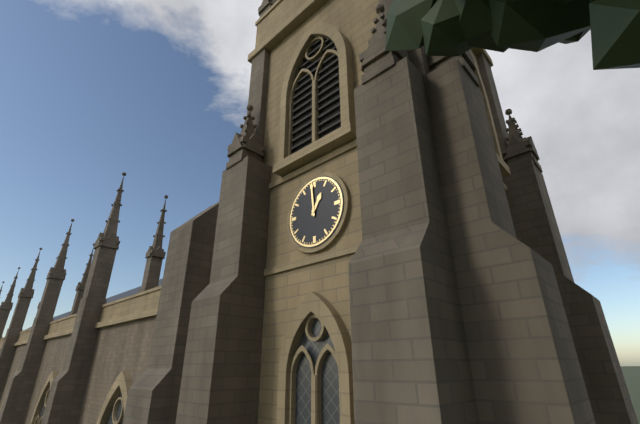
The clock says {"hour": 12, "minute": 59}
